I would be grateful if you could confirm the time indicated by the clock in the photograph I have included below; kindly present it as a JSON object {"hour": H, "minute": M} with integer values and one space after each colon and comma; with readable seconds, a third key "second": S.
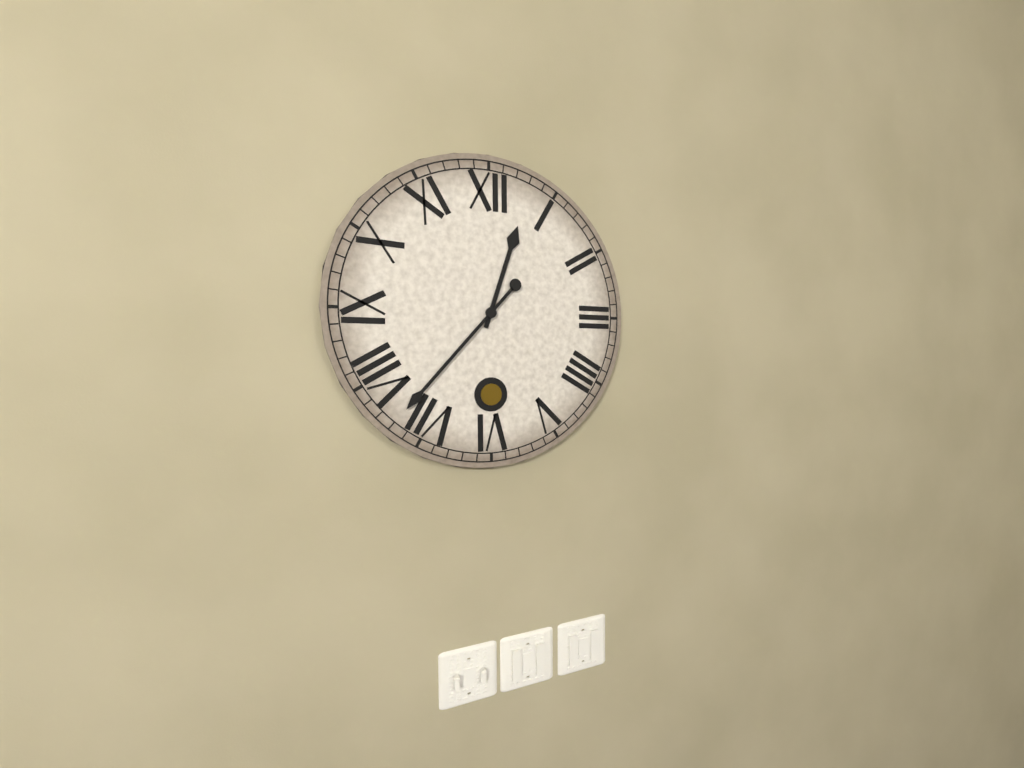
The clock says {"hour": 12, "minute": 37}
